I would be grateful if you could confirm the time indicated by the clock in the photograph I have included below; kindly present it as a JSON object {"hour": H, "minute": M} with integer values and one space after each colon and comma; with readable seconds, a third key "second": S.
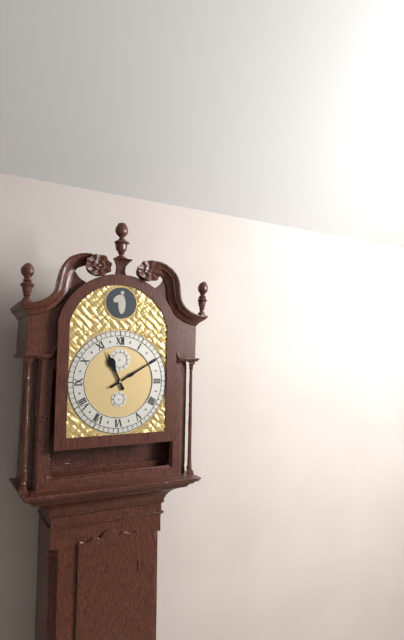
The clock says {"hour": 11, "minute": 10}
